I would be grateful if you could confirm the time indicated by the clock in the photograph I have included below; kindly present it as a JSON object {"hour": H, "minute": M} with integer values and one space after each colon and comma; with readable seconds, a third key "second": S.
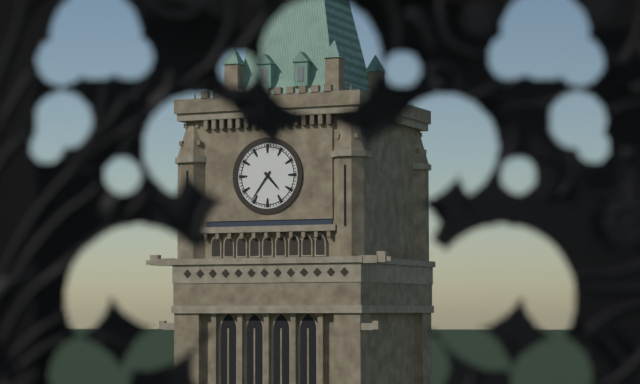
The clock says {"hour": 4, "minute": 36}
